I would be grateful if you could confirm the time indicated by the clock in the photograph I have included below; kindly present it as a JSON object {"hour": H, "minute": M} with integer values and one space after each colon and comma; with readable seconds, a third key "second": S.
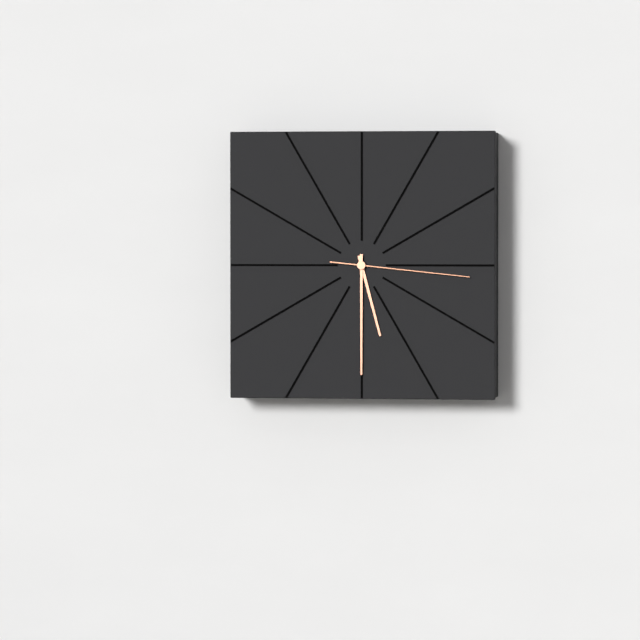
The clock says {"hour": 5, "minute": 30, "second": 16}
